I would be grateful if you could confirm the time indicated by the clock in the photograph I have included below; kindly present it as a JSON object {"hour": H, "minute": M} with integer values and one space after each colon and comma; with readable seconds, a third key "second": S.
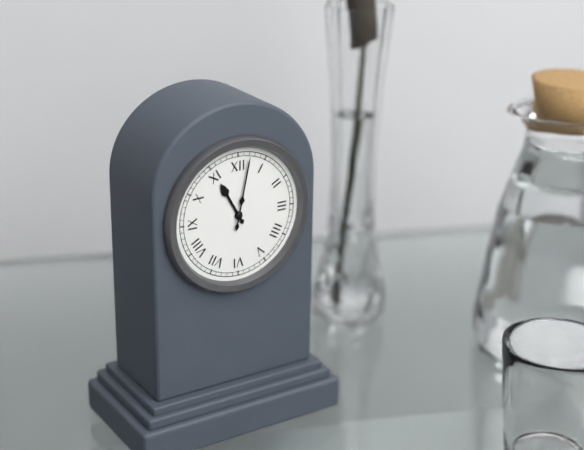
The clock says {"hour": 11, "minute": 2}
